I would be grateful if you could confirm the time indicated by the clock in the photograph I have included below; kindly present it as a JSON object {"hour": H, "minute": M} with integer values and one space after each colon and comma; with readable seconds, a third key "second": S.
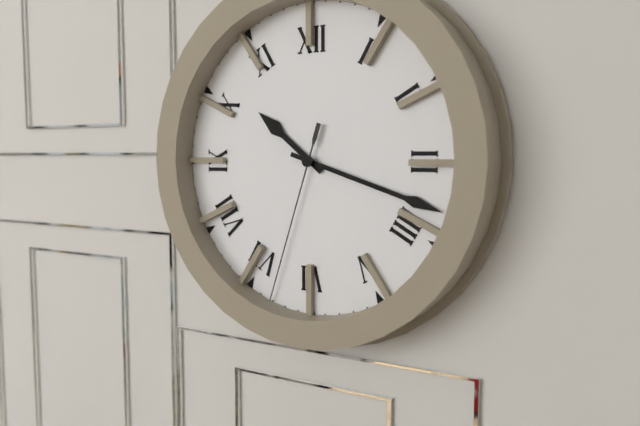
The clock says {"hour": 10, "minute": 18, "second": 33}
